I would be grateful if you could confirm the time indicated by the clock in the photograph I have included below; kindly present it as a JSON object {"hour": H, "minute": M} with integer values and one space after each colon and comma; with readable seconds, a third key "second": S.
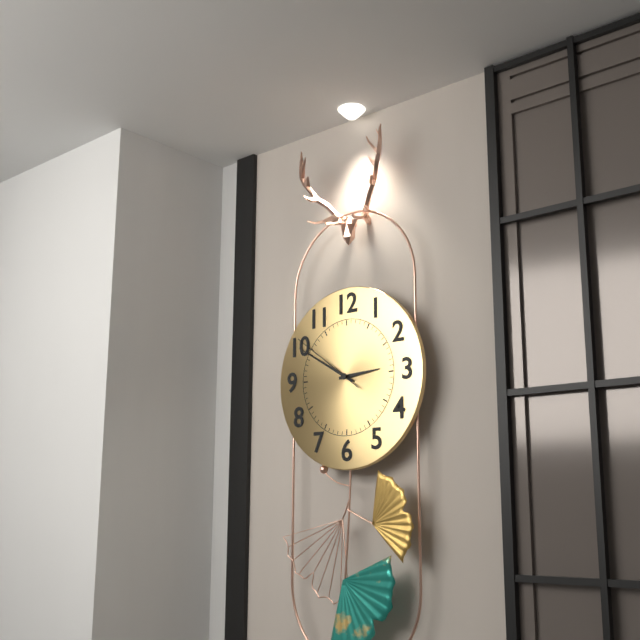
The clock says {"hour": 2, "minute": 50, "second": 51}
